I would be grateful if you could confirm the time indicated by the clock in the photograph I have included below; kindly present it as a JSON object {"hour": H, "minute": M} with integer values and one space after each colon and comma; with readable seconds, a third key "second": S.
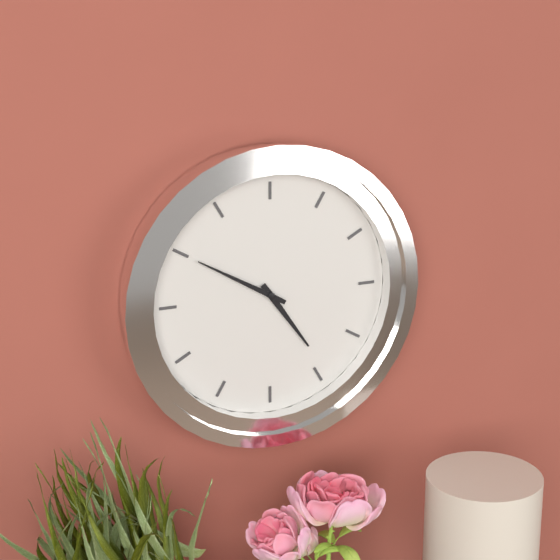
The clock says {"hour": 4, "minute": 50}
